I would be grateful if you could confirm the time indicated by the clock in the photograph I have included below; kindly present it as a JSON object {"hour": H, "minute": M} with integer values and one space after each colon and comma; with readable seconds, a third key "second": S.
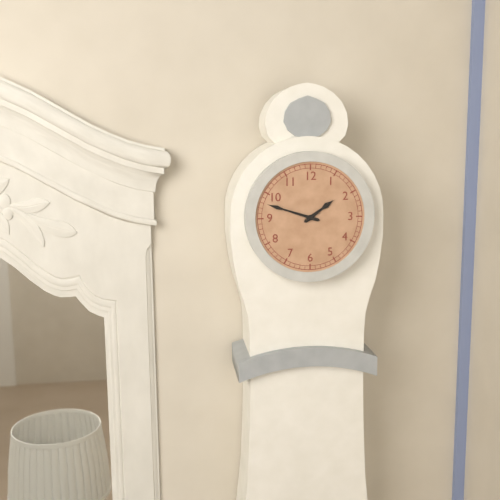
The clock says {"hour": 1, "minute": 48}
